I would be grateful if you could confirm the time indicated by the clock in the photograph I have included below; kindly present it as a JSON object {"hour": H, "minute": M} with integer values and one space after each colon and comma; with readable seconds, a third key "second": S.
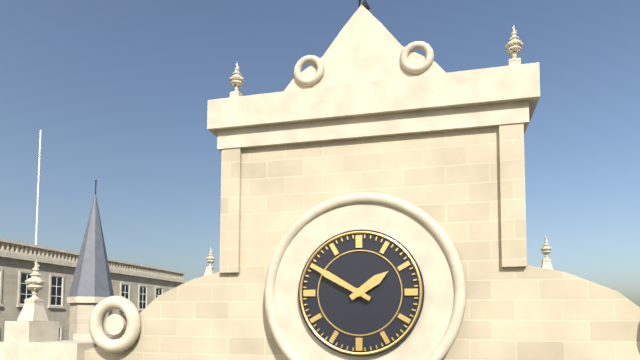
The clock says {"hour": 1, "minute": 50}
